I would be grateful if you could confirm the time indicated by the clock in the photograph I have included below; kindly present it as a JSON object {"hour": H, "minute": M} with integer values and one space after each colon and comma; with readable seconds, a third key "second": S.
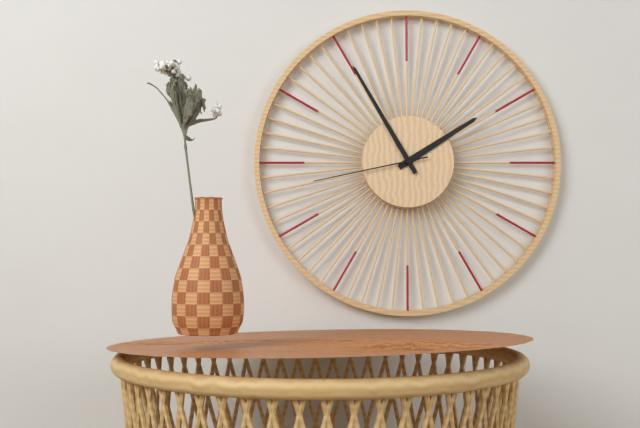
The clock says {"hour": 1, "minute": 55, "second": 43}
